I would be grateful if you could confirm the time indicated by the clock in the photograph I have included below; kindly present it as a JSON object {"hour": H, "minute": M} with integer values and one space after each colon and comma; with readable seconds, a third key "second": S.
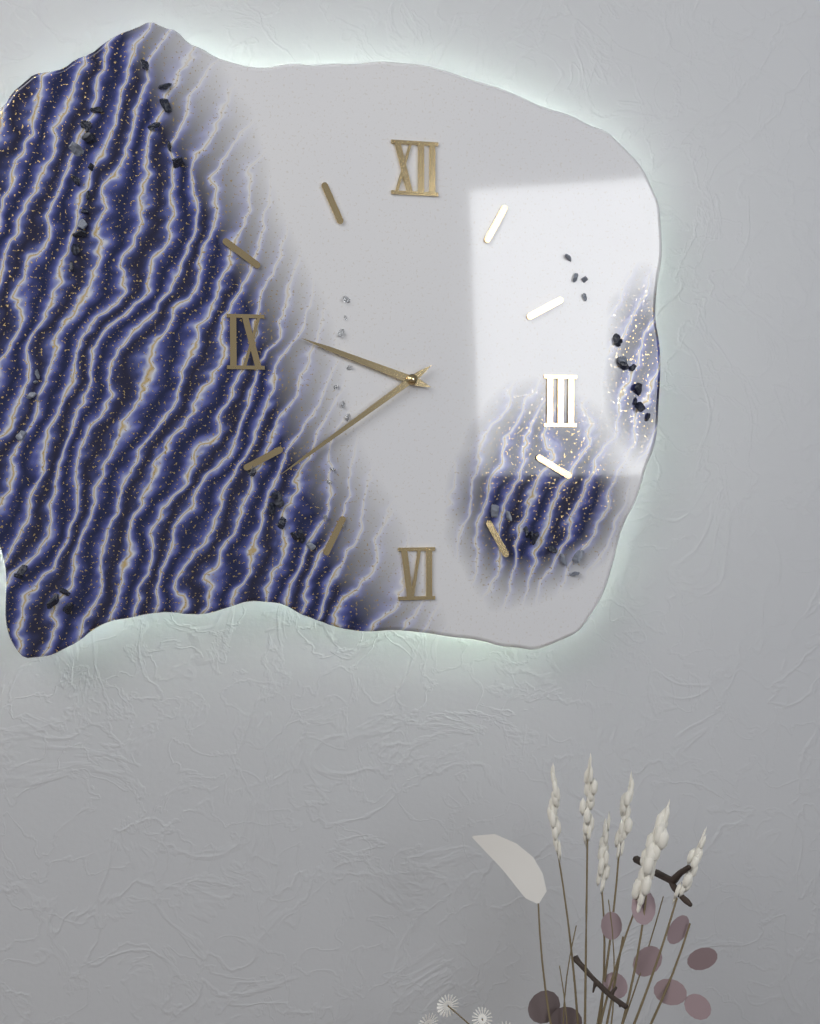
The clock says {"hour": 9, "minute": 39}
